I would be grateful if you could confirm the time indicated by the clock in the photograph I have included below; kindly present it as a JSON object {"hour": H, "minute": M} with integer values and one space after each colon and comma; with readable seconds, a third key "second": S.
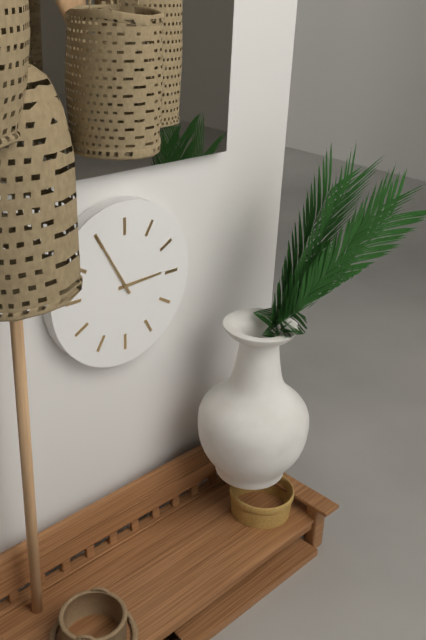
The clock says {"hour": 2, "minute": 55}
